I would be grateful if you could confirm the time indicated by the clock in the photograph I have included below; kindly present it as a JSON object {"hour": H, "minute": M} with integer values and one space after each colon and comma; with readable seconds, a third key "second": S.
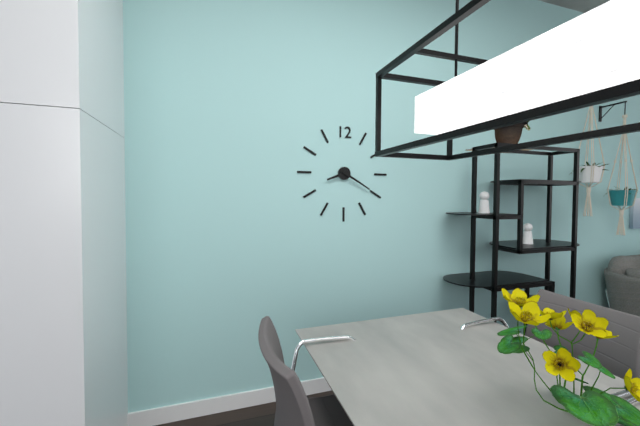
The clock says {"hour": 8, "minute": 20}
